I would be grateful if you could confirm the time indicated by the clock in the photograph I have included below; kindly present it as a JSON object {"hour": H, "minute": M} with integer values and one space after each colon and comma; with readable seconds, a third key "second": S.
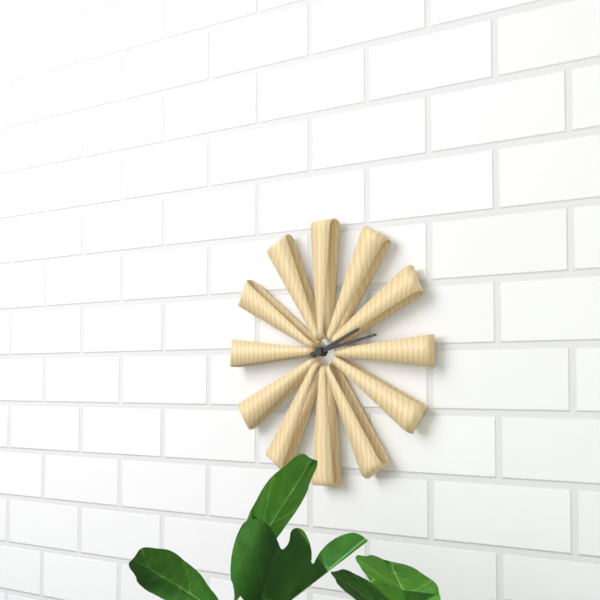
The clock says {"hour": 2, "minute": 13}
